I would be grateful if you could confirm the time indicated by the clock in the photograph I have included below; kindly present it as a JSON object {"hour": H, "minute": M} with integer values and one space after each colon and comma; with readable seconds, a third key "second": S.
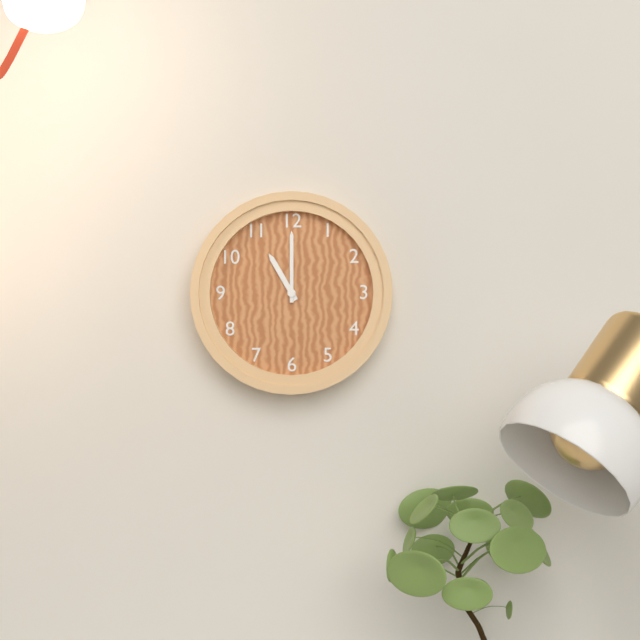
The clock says {"hour": 11, "minute": 0}
